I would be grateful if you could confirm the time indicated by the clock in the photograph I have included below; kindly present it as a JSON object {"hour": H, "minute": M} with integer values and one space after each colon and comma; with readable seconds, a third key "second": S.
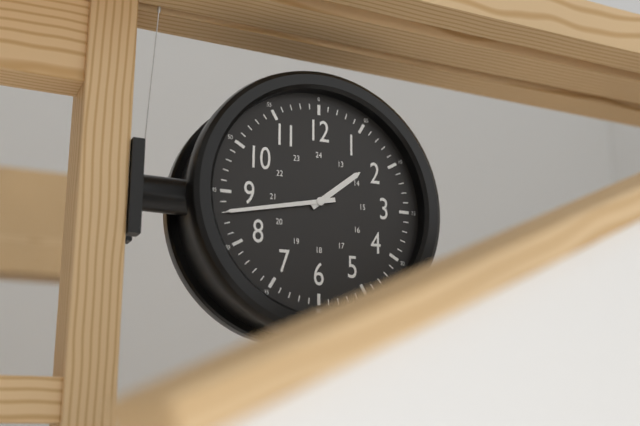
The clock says {"hour": 1, "minute": 43}
